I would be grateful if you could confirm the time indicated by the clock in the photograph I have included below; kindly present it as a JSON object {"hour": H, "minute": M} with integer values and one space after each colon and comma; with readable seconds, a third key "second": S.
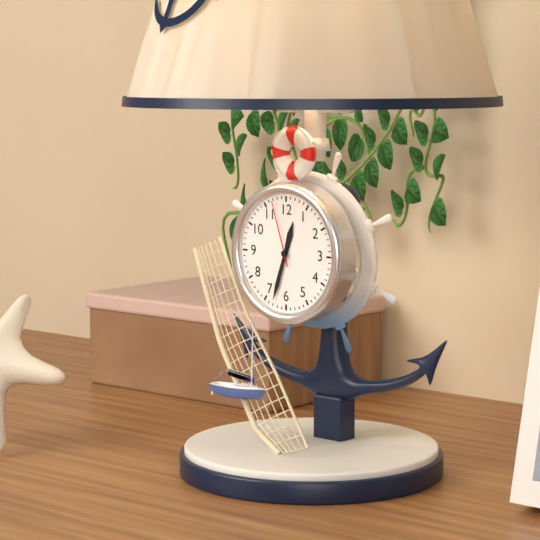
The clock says {"hour": 12, "minute": 33, "second": 57}
